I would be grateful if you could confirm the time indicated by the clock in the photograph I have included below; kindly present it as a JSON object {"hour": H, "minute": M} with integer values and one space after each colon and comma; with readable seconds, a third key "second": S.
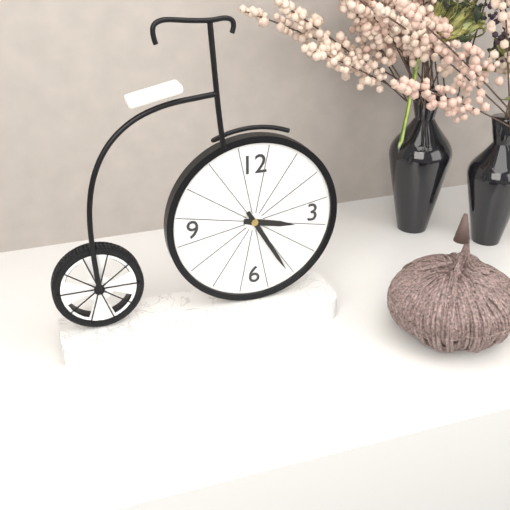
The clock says {"hour": 3, "minute": 25}
